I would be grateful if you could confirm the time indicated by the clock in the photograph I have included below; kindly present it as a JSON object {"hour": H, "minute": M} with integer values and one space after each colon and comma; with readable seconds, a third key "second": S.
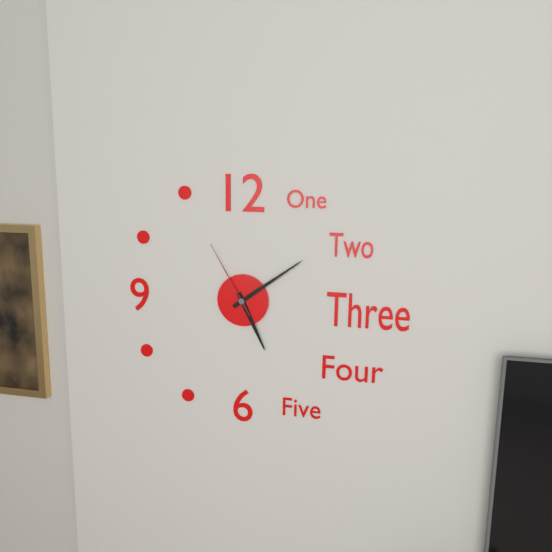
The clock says {"hour": 5, "minute": 9, "second": 55}
